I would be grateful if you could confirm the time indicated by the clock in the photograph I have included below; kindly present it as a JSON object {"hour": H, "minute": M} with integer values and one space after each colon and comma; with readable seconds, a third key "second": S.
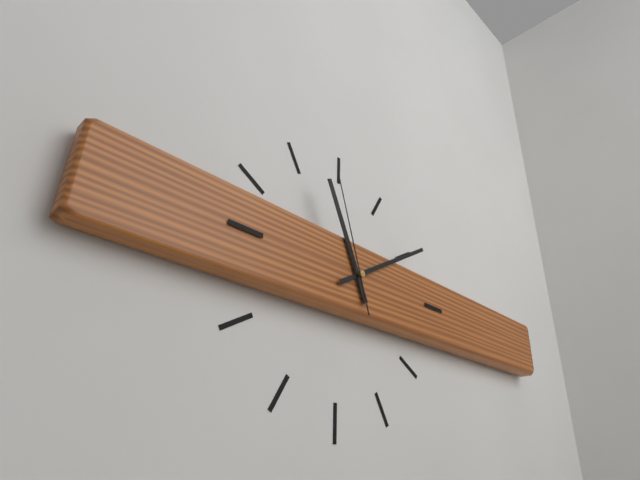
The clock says {"hour": 11, "minute": 10, "second": 57}
